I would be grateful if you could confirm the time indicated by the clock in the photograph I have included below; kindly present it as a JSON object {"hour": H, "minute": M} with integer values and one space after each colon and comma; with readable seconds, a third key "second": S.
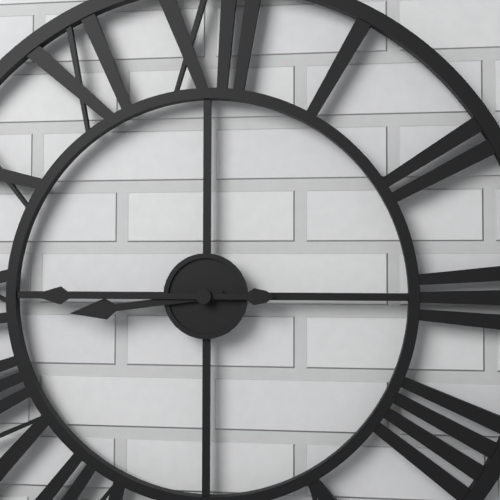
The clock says {"hour": 8, "minute": 45}
